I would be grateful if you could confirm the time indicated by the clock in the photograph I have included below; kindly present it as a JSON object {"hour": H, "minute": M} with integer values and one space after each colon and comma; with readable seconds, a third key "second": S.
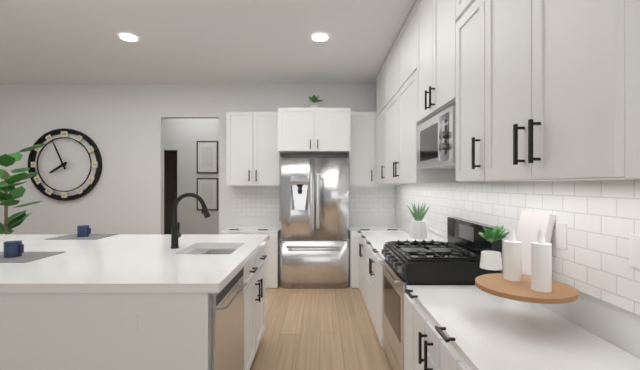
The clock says {"hour": 7, "minute": 56}
